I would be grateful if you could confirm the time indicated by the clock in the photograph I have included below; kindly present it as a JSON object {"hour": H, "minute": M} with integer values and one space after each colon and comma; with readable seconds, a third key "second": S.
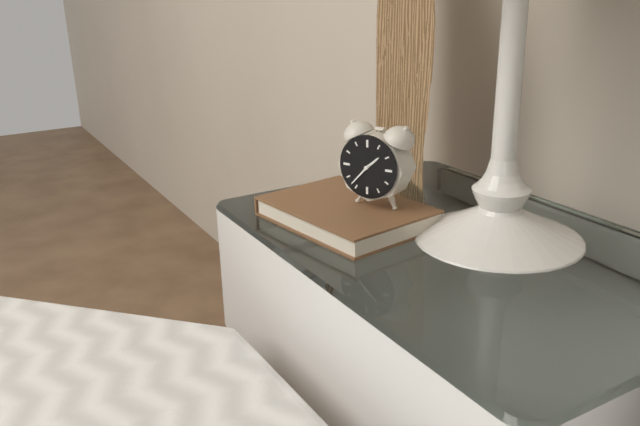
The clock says {"hour": 1, "minute": 37}
